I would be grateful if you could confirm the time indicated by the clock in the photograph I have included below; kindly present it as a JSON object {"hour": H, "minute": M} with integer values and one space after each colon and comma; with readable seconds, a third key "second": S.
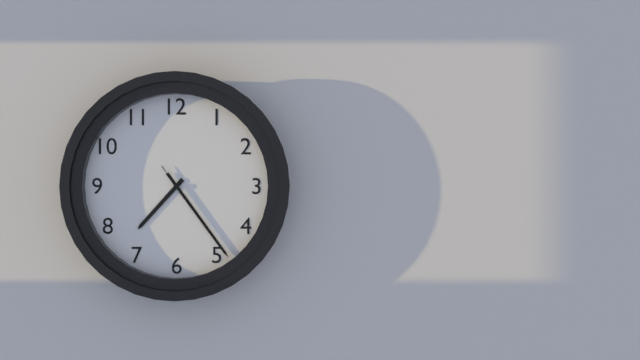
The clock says {"hour": 7, "minute": 24, "second": 24}
